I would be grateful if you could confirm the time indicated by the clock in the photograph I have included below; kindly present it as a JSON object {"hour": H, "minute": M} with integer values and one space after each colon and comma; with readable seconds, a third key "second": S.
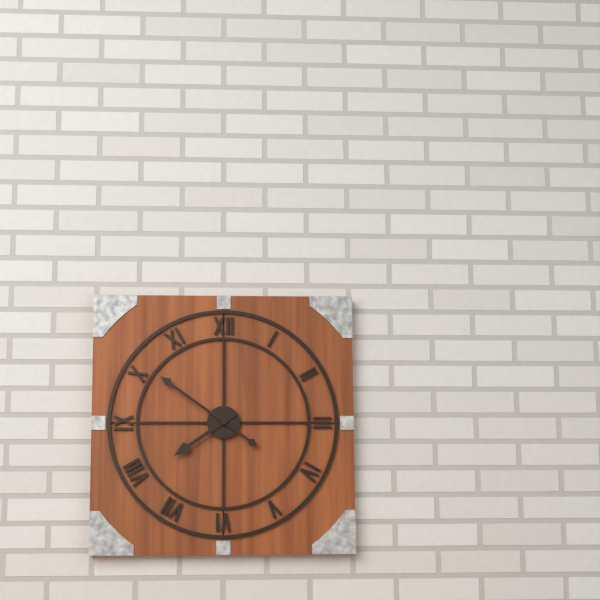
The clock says {"hour": 7, "minute": 51}
